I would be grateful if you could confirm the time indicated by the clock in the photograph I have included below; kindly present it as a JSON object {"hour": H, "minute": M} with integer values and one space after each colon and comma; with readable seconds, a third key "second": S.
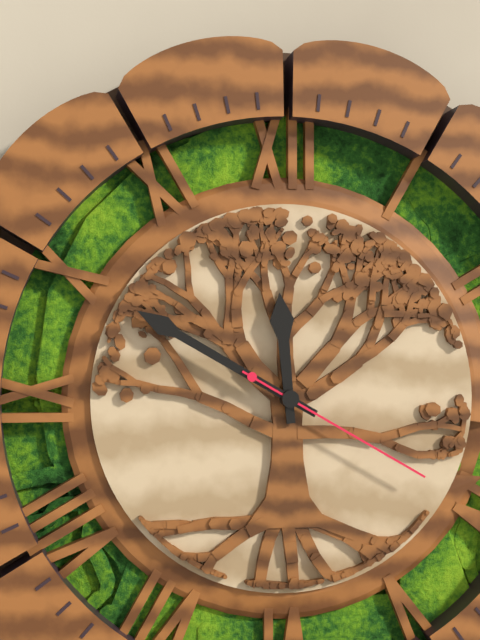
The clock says {"hour": 11, "minute": 50, "second": 20}
